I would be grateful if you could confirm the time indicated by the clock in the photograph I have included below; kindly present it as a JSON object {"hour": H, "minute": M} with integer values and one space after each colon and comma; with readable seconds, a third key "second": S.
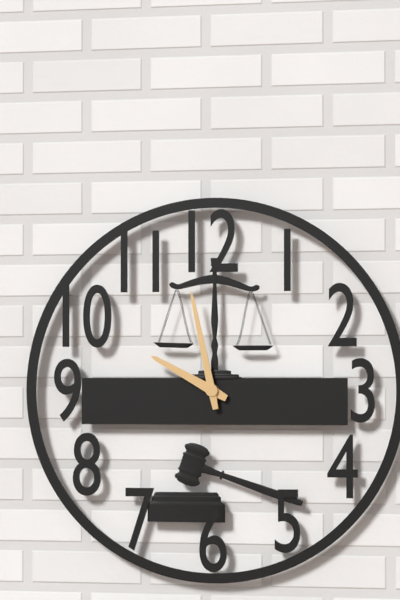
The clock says {"hour": 9, "minute": 58}
